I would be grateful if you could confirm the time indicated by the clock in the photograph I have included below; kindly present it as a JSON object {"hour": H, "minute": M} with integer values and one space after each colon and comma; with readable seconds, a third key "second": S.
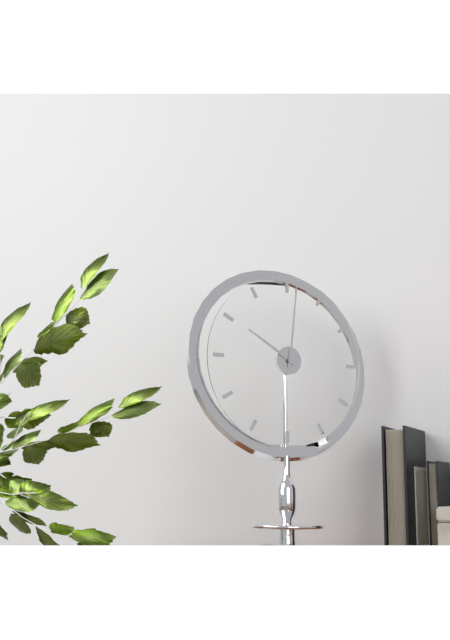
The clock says {"hour": 10, "minute": 1}
